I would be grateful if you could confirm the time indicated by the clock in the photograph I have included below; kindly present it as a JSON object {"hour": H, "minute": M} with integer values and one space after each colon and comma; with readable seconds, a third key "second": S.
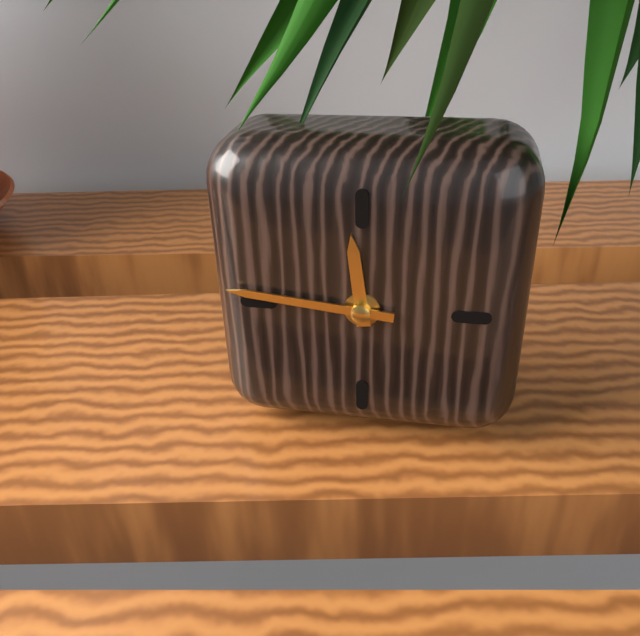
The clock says {"hour": 11, "minute": 46}
